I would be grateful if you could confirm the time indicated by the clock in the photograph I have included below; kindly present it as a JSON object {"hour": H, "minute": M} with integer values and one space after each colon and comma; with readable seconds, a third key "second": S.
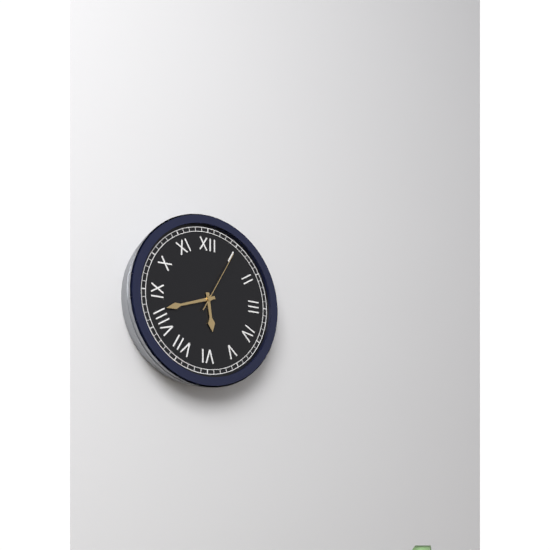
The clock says {"hour": 5, "minute": 42, "second": 5}
